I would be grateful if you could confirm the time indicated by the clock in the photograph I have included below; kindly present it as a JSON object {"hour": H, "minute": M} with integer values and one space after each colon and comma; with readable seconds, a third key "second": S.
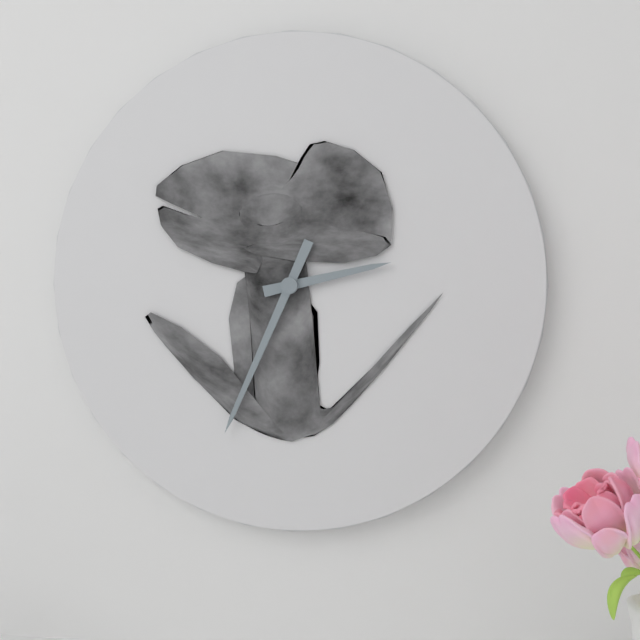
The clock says {"hour": 2, "minute": 34}
